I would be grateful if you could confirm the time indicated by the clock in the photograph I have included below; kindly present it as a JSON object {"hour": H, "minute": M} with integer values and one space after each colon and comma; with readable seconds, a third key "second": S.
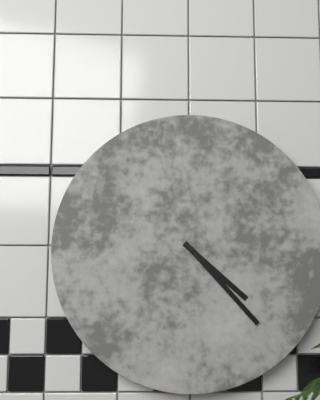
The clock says {"hour": 4, "minute": 23}
